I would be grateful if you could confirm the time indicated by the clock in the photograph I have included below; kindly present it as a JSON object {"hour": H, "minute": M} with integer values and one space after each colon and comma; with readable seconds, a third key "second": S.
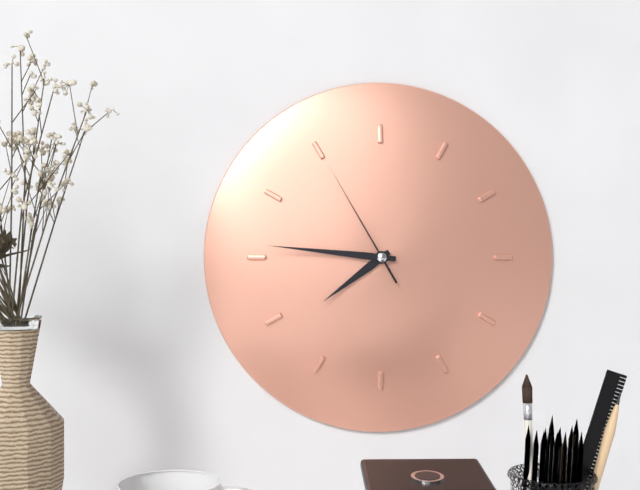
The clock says {"hour": 7, "minute": 46, "second": 55}
